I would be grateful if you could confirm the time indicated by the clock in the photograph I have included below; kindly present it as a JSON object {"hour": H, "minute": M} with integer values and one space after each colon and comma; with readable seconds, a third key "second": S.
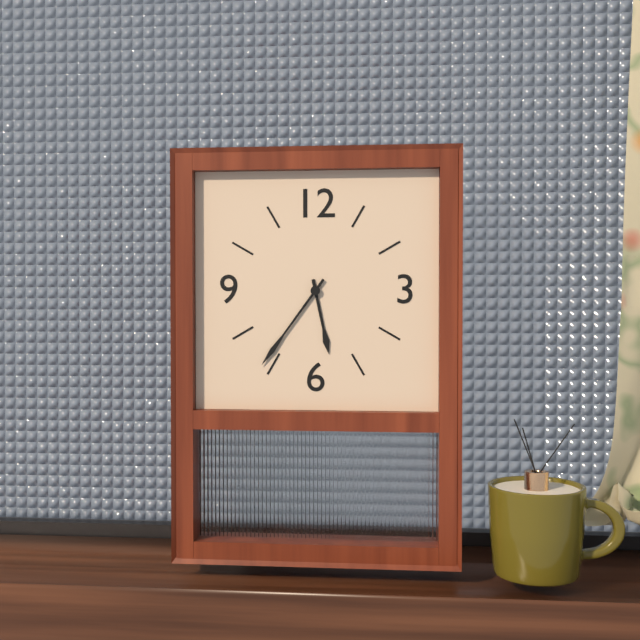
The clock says {"hour": 5, "minute": 36}
